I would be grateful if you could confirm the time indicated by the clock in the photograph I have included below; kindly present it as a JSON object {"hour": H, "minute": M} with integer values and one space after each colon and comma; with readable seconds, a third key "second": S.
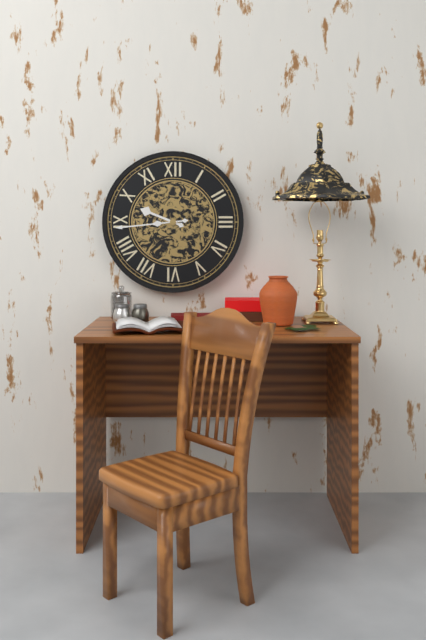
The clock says {"hour": 9, "minute": 44}
